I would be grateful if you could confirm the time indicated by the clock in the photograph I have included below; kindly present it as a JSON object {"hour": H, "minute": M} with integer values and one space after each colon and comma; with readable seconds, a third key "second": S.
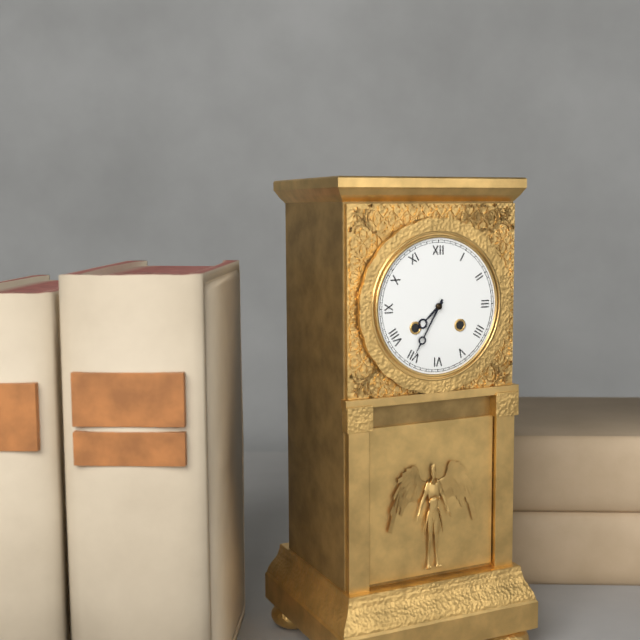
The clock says {"hour": 7, "minute": 35}
